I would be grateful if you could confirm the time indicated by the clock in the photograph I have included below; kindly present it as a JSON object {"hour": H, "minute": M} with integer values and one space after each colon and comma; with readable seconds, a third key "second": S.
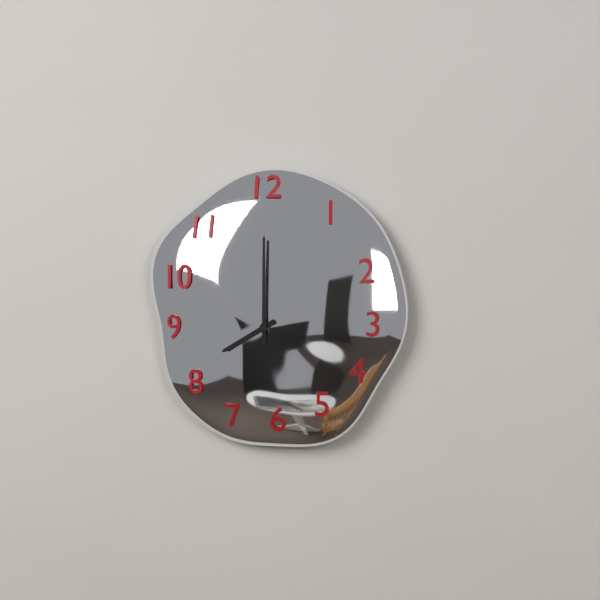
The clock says {"hour": 8, "minute": 0}
